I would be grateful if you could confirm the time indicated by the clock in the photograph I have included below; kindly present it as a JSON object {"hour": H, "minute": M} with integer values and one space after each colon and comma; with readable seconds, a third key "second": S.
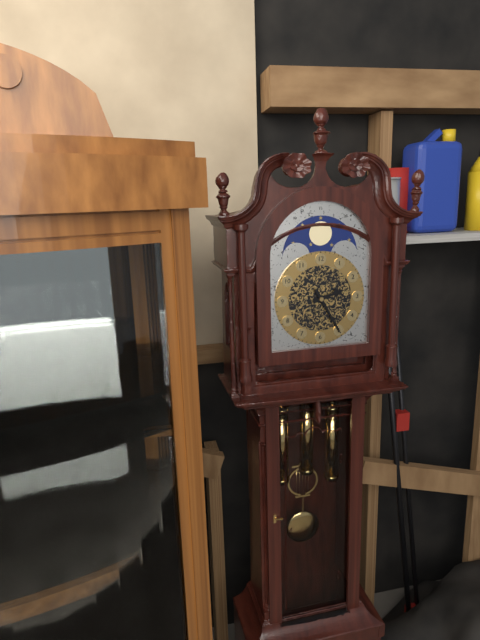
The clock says {"hour": 2, "minute": 25}
